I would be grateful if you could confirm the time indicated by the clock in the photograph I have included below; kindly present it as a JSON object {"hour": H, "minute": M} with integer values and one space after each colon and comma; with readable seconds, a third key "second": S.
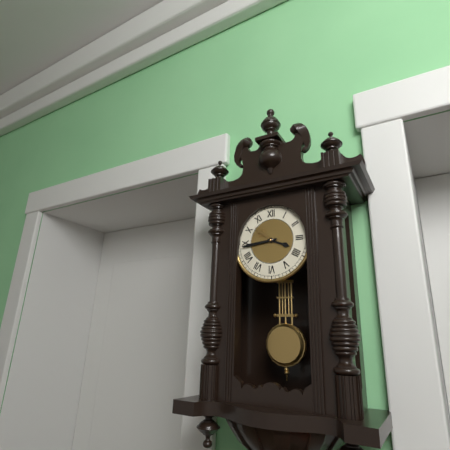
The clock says {"hour": 3, "minute": 44}
